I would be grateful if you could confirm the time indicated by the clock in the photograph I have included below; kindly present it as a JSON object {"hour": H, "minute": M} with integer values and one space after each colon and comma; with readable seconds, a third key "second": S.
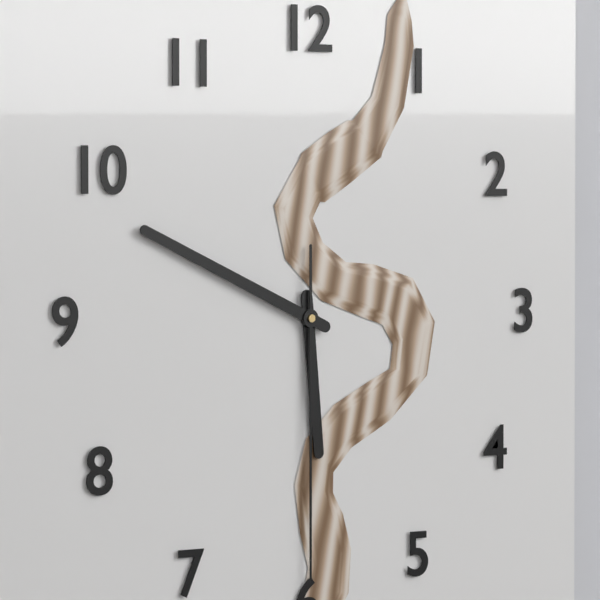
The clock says {"hour": 5, "minute": 49, "second": 30}
